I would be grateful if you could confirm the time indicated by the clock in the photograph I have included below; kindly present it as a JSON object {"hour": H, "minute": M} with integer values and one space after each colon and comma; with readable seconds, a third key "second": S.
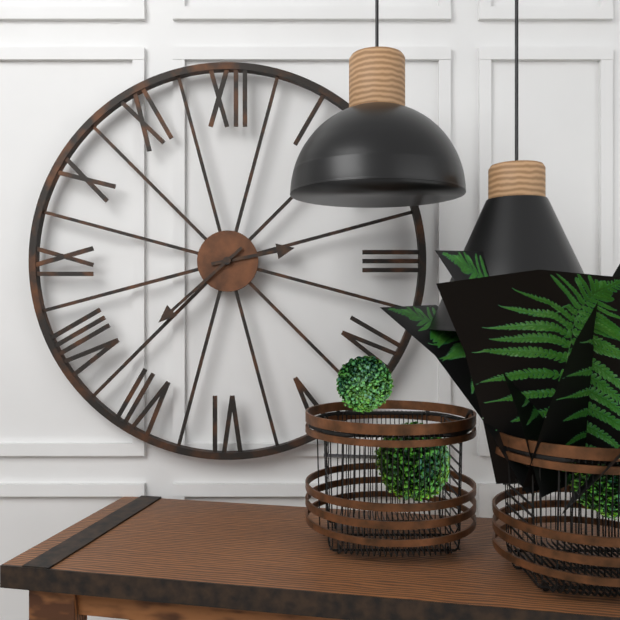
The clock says {"hour": 2, "minute": 38}
